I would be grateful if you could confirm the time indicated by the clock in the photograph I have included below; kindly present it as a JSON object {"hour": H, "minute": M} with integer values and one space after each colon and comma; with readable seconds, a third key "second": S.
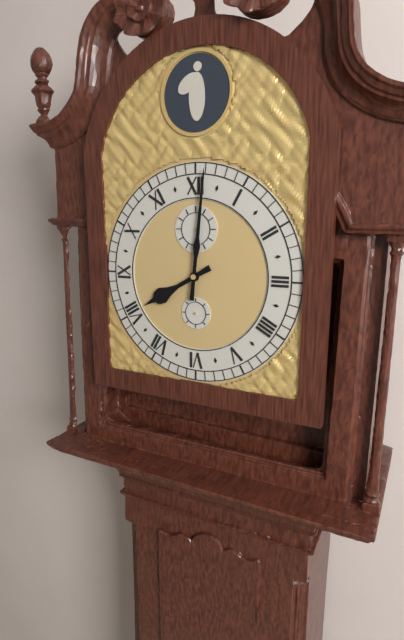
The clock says {"hour": 8, "minute": 1}
